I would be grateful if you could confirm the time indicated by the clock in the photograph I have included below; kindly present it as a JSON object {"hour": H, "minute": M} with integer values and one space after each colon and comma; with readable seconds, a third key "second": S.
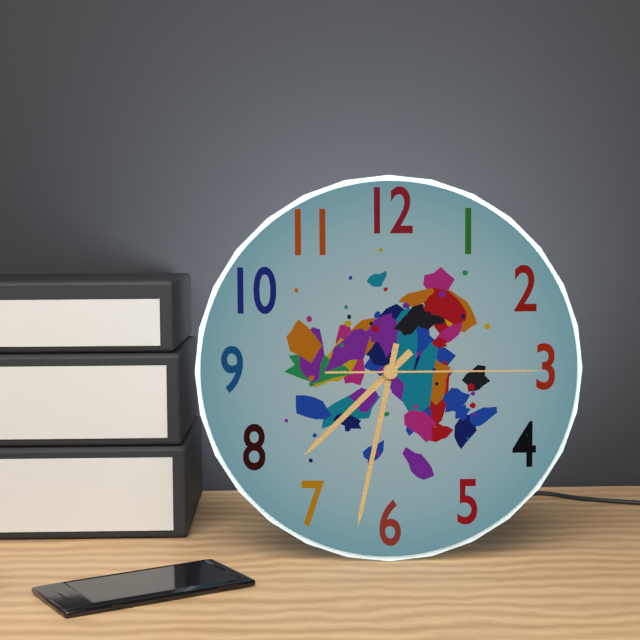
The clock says {"hour": 7, "minute": 32, "second": 15}
